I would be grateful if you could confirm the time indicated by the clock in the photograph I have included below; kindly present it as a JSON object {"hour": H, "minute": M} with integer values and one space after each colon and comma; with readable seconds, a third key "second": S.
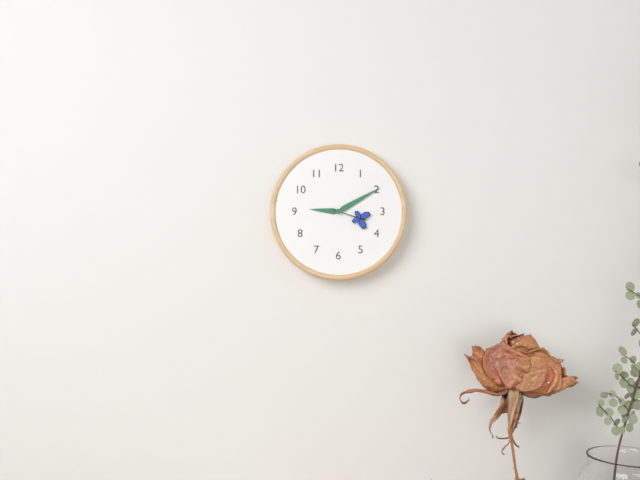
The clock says {"hour": 9, "minute": 10}
